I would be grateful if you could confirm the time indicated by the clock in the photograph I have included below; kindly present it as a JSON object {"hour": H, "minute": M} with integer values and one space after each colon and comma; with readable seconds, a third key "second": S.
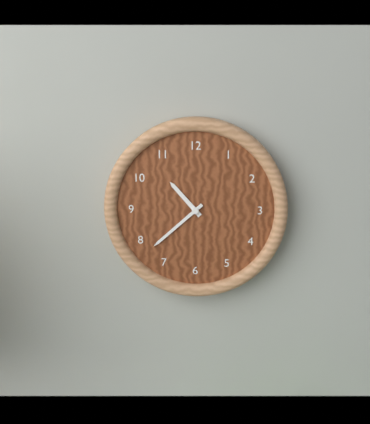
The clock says {"hour": 10, "minute": 38}
